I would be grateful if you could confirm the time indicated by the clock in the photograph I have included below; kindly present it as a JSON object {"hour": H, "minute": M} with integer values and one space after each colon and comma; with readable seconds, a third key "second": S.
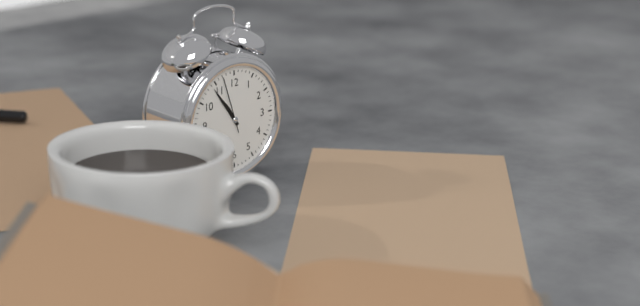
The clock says {"hour": 10, "minute": 54, "second": 57}
